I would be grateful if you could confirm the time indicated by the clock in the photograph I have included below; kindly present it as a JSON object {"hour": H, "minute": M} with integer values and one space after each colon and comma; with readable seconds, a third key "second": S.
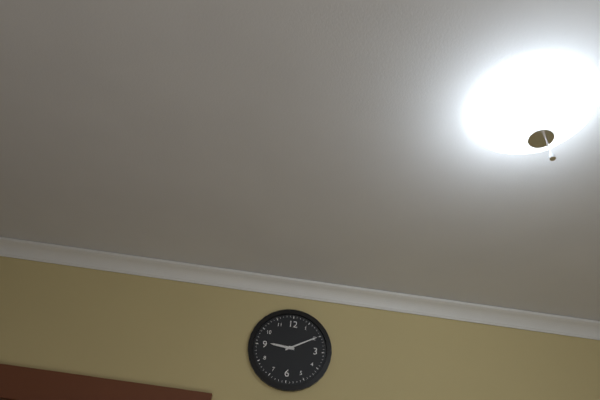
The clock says {"hour": 9, "minute": 10}
